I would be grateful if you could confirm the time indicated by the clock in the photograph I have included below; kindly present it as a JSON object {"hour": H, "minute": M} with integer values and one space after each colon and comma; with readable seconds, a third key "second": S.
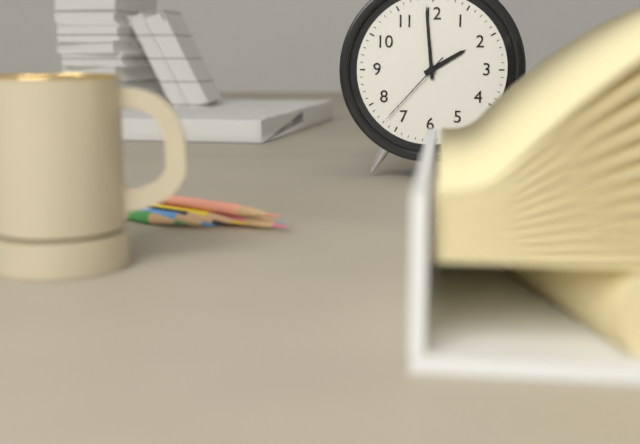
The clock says {"hour": 1, "minute": 59, "second": 37}
